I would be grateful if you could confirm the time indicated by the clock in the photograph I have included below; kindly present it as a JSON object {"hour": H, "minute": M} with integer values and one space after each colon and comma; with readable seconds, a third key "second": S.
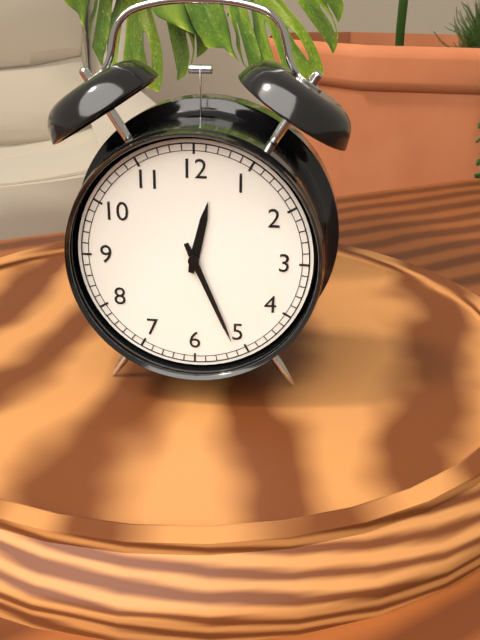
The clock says {"hour": 12, "minute": 26}
